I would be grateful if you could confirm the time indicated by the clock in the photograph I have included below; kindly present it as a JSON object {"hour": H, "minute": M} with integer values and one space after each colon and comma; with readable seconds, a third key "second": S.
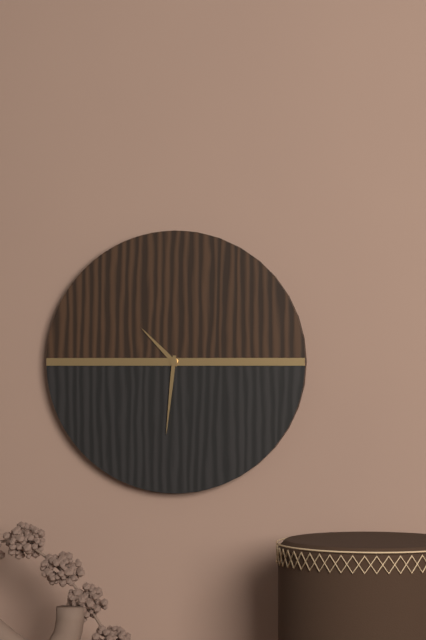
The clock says {"hour": 10, "minute": 31}
